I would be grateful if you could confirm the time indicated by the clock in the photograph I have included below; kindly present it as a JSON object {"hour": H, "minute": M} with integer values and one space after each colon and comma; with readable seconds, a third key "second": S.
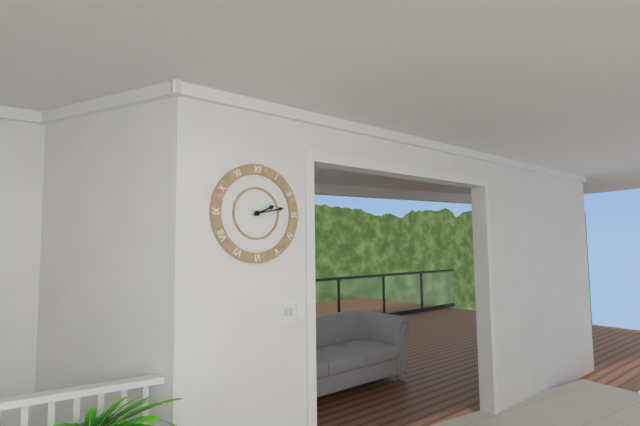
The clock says {"hour": 2, "minute": 13}
